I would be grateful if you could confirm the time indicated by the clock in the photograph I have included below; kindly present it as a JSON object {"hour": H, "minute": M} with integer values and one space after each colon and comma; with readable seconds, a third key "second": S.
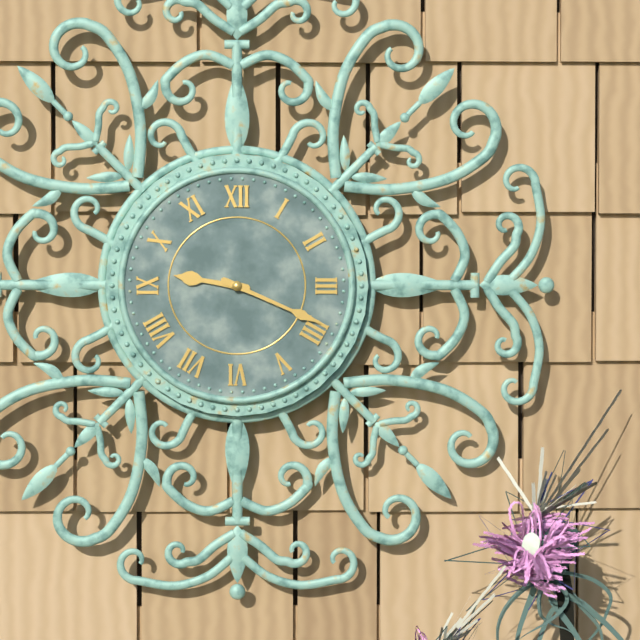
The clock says {"hour": 9, "minute": 19}
